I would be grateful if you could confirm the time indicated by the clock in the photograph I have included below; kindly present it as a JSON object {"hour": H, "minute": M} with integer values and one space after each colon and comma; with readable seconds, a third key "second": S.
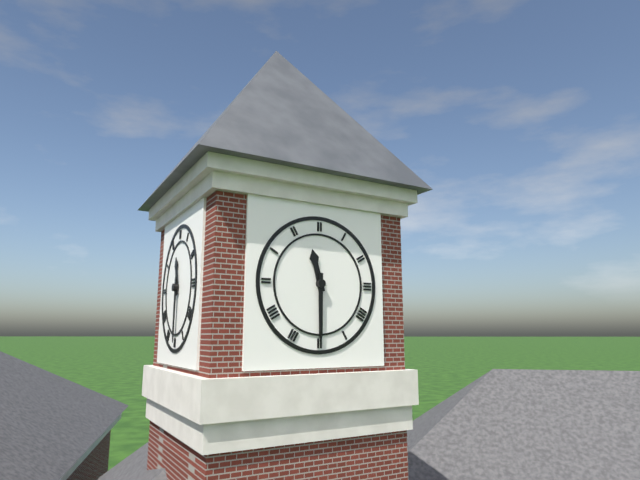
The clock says {"hour": 11, "minute": 30}
